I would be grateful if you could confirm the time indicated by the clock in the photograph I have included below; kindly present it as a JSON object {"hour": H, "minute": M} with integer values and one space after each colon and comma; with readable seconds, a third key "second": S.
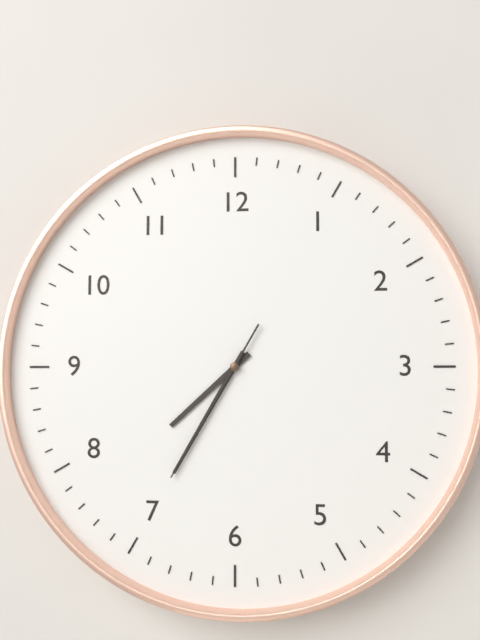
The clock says {"hour": 7, "minute": 35, "second": 35}
